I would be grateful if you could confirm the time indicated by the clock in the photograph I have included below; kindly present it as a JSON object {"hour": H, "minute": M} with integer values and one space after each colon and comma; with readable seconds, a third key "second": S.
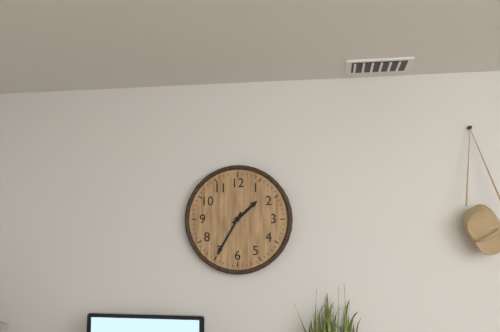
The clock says {"hour": 1, "minute": 35}
